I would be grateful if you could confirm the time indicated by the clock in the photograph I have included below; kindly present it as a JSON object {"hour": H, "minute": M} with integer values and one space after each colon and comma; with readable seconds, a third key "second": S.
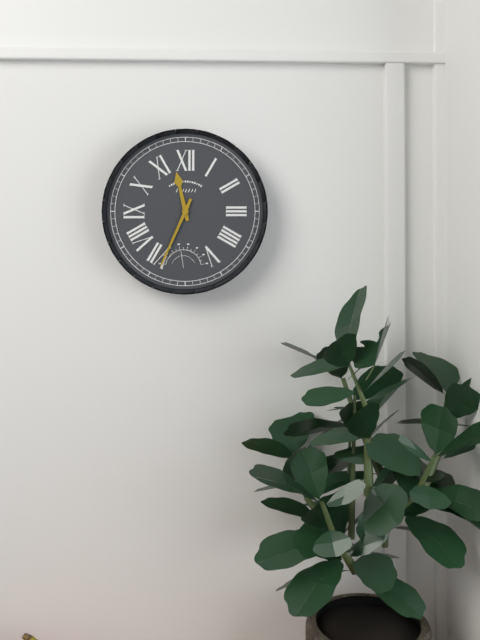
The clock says {"hour": 11, "minute": 34}
